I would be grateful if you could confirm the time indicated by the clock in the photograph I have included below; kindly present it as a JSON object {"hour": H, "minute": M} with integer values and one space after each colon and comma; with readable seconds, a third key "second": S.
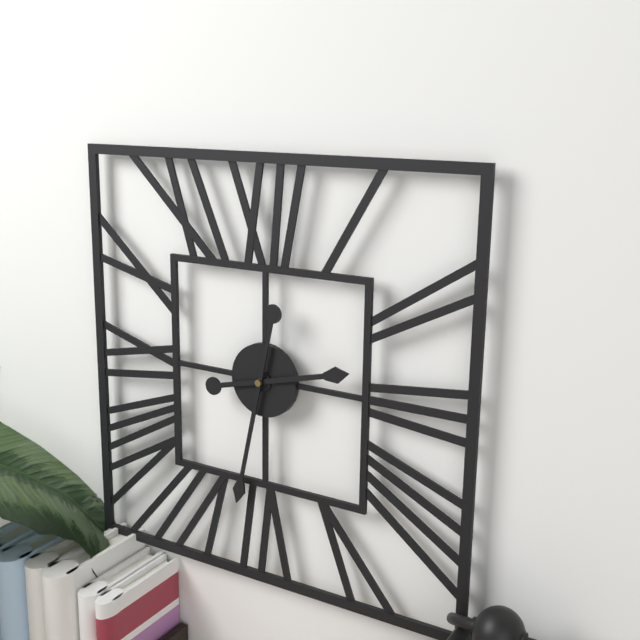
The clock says {"hour": 2, "minute": 32}
